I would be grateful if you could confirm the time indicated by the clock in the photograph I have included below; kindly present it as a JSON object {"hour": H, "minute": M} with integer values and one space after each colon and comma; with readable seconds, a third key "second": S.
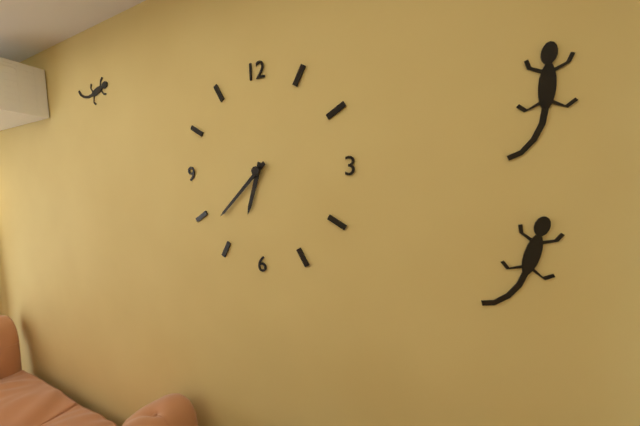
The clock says {"hour": 6, "minute": 38}
